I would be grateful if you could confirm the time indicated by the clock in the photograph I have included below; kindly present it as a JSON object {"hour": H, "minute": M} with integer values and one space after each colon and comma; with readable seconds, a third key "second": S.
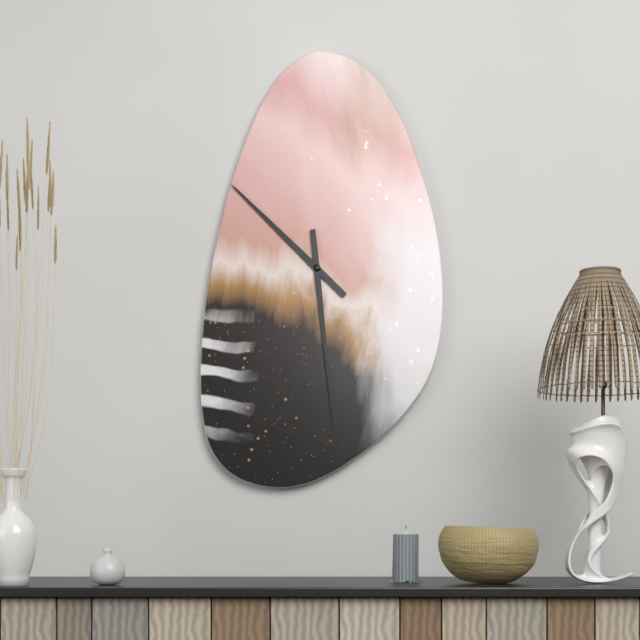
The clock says {"hour": 10, "minute": 29}
